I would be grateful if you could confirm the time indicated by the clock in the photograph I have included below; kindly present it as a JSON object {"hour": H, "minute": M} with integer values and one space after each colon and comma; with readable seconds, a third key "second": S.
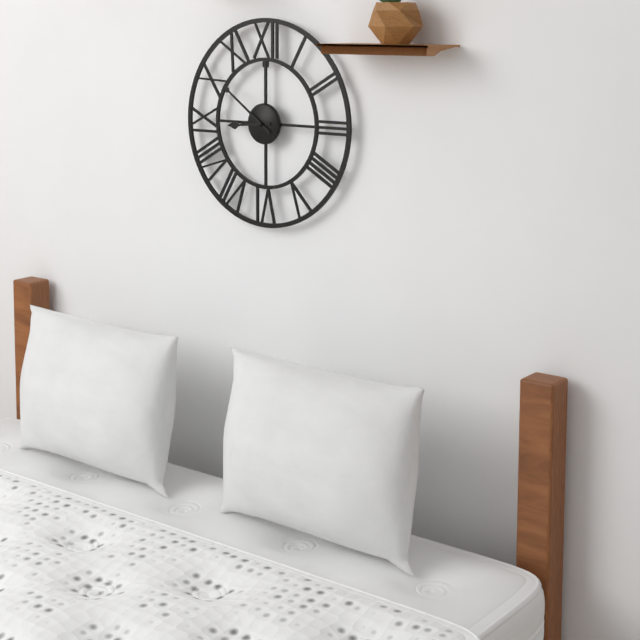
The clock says {"hour": 8, "minute": 51}
